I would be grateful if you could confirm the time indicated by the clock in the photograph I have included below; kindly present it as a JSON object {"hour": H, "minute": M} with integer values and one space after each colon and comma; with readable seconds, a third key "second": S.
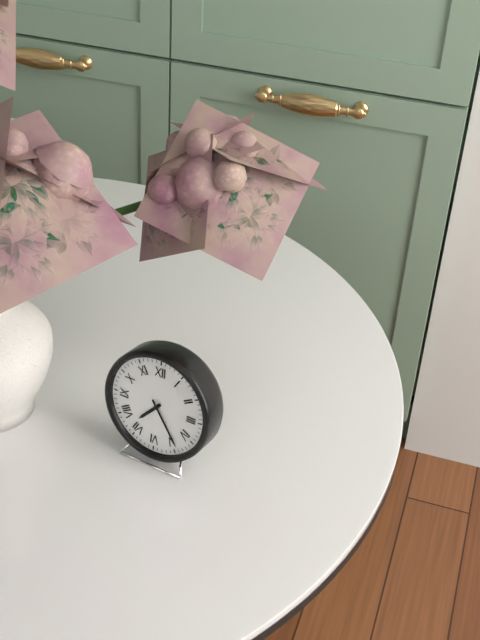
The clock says {"hour": 7, "minute": 24}
